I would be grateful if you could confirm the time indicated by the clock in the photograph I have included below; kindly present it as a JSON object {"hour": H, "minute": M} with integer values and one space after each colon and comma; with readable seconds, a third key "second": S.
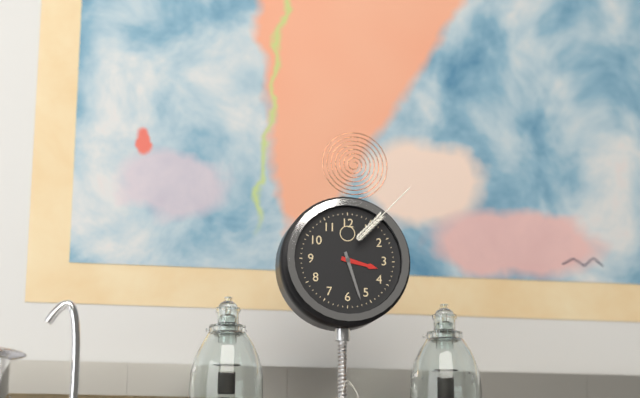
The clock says {"hour": 3, "minute": 27}
